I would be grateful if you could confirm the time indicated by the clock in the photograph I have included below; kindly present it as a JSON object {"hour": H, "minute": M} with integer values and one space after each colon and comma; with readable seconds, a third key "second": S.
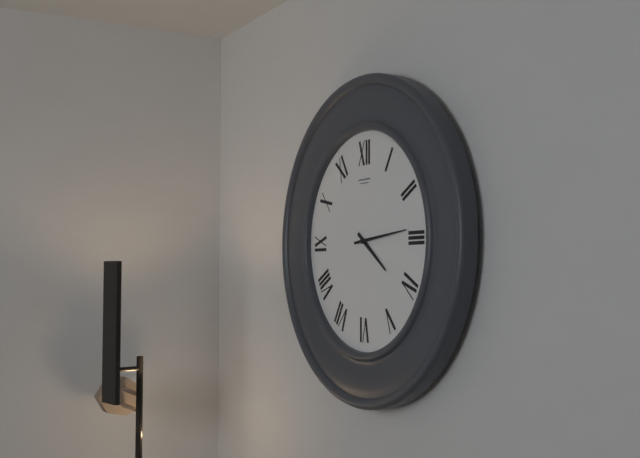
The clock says {"hour": 4, "minute": 14}
